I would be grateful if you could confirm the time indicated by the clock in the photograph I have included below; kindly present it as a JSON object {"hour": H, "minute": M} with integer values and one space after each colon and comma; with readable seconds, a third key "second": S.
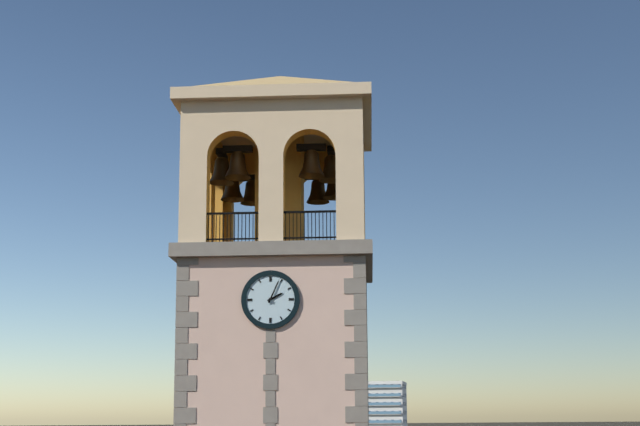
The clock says {"hour": 2, "minute": 4}
